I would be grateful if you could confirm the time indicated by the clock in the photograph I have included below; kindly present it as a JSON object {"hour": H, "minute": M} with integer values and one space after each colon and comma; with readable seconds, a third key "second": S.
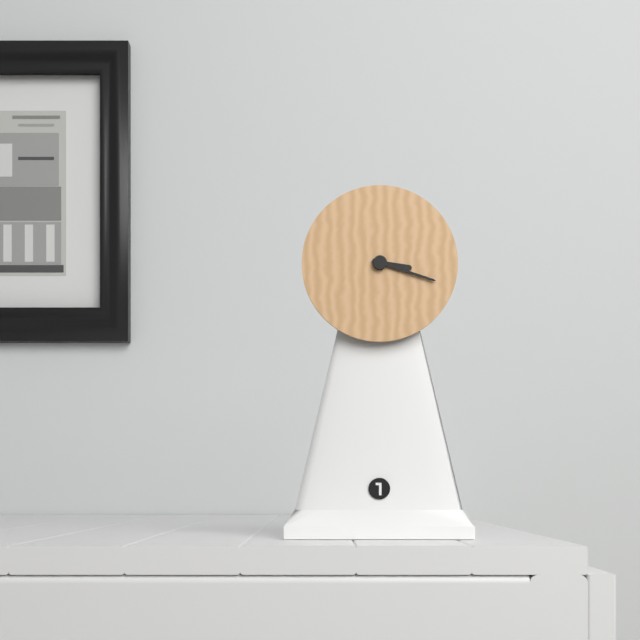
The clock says {"hour": 3, "minute": 18}
